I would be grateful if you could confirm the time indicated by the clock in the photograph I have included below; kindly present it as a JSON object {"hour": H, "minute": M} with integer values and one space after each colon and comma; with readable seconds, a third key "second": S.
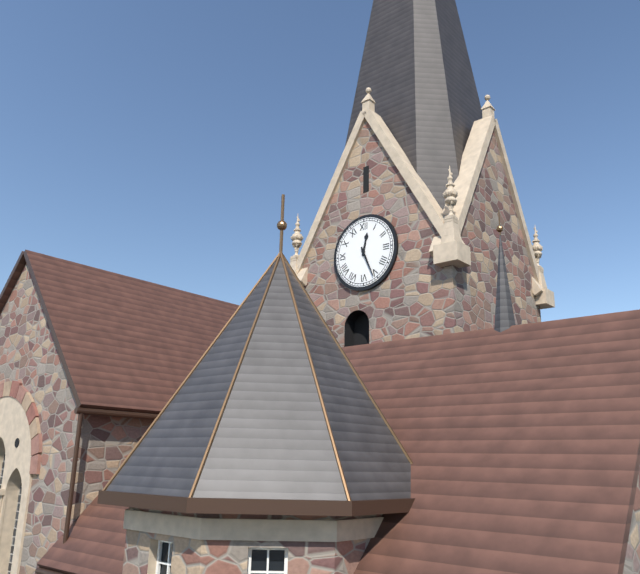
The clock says {"hour": 12, "minute": 26}
